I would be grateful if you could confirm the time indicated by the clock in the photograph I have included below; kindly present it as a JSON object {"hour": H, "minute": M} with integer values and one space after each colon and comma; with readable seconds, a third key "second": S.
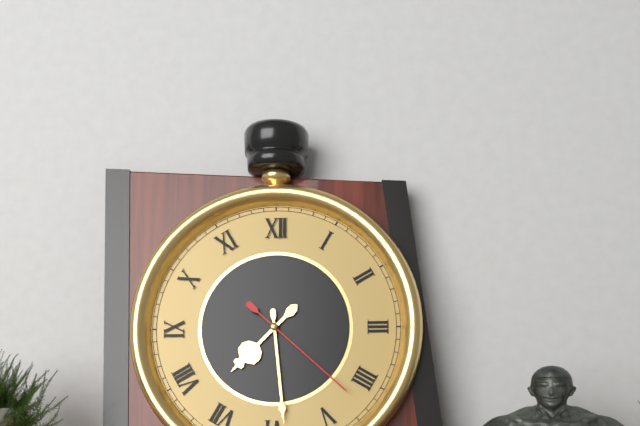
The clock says {"hour": 7, "minute": 29, "second": 22}
